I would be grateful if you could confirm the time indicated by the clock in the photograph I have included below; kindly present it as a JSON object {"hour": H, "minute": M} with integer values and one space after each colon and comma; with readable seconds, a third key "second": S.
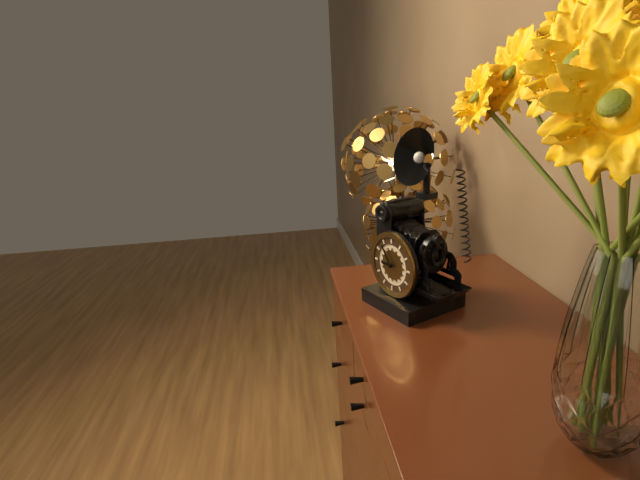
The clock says {"hour": 8, "minute": 54}
